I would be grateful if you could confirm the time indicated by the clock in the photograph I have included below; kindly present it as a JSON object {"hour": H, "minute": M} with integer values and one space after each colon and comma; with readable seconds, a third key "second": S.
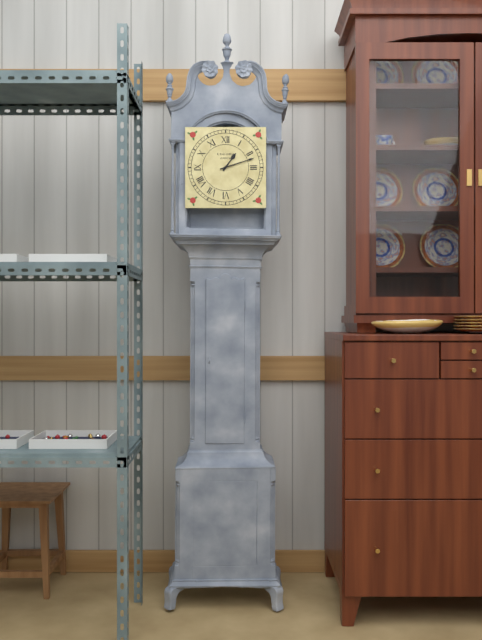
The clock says {"hour": 1, "minute": 12}
